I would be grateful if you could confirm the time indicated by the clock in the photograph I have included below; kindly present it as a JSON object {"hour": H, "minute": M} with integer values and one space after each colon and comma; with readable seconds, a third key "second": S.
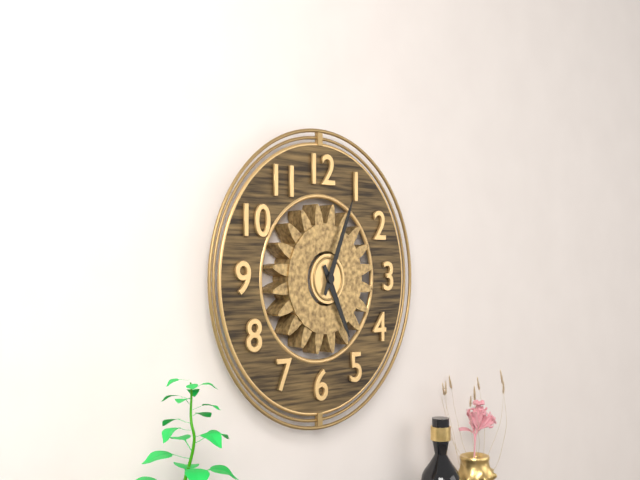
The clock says {"hour": 5, "minute": 4}
